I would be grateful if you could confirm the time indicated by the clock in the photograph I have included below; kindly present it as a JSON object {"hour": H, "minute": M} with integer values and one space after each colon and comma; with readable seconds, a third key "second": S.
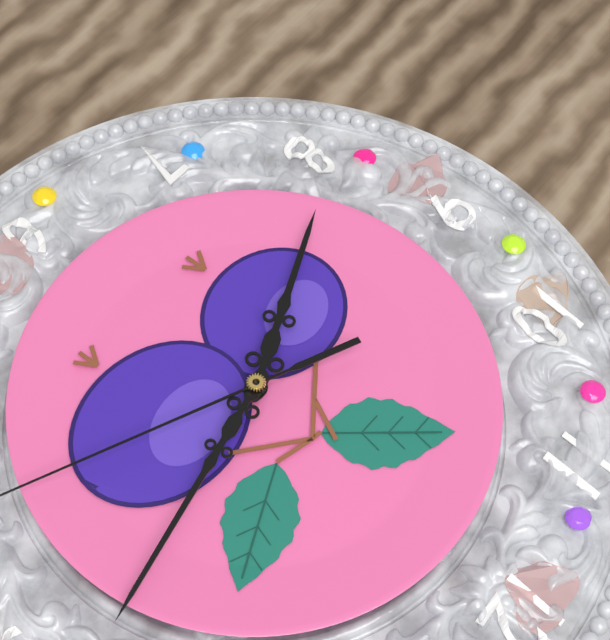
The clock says {"hour": 8, "minute": 13}
